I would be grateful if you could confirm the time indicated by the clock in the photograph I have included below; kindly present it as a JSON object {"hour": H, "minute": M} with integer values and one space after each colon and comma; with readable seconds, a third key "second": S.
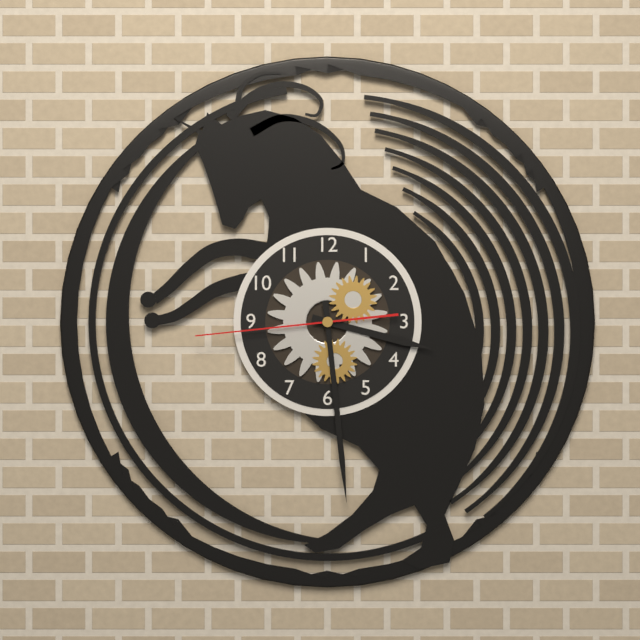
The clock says {"hour": 3, "minute": 29, "second": 44}
